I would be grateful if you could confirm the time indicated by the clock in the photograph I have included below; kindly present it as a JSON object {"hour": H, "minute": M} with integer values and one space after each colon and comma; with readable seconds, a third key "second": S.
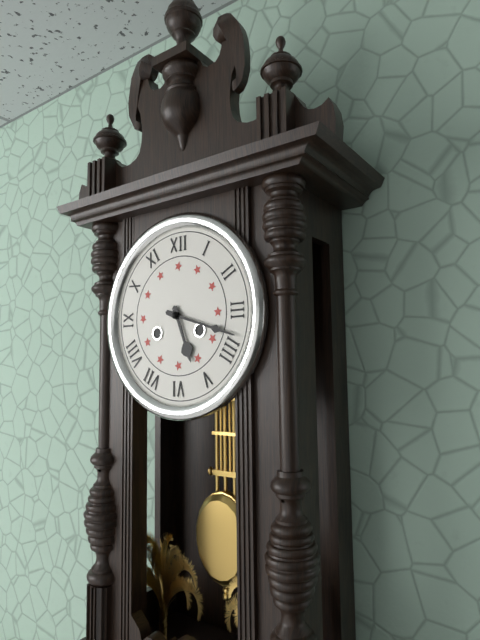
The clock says {"hour": 5, "minute": 18}
